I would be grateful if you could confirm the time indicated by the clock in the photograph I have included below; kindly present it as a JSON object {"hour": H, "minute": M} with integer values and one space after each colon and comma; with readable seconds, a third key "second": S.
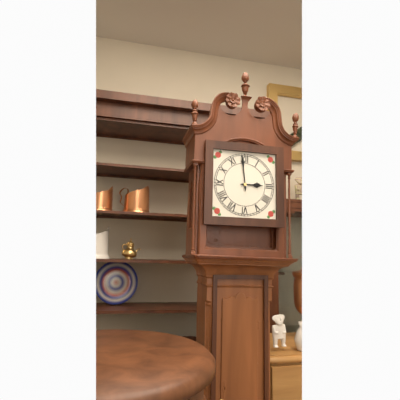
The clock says {"hour": 2, "minute": 59}
